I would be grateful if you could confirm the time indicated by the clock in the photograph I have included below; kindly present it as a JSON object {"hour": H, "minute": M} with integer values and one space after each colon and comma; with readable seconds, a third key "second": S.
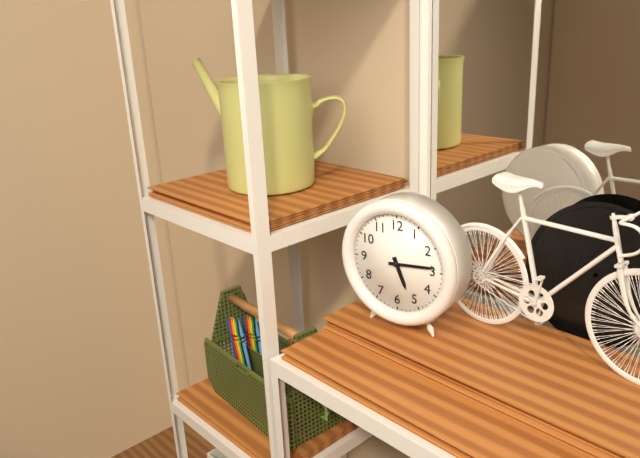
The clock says {"hour": 5, "minute": 14}
